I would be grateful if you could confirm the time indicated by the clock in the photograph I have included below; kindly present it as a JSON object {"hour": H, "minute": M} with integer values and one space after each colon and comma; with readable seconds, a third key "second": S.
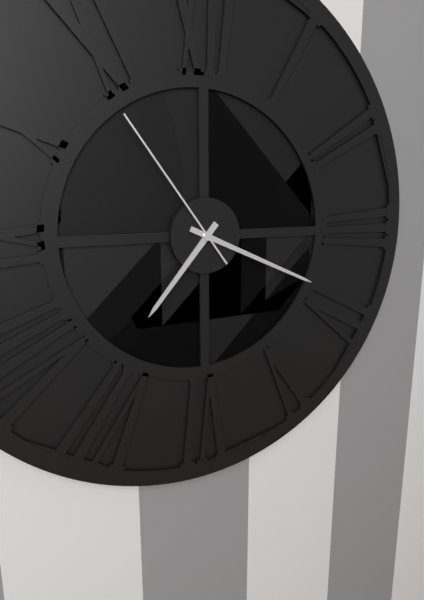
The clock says {"hour": 7, "minute": 19, "second": 54}
